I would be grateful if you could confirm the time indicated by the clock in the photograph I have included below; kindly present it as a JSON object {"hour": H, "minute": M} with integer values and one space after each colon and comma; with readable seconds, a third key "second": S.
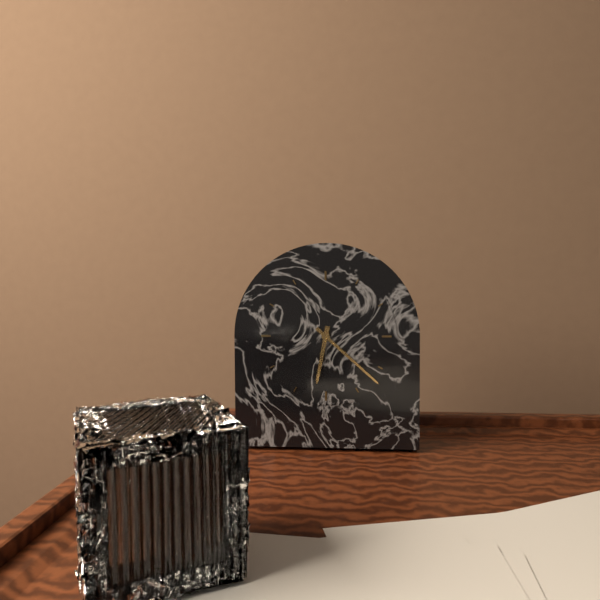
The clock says {"hour": 6, "minute": 22}
